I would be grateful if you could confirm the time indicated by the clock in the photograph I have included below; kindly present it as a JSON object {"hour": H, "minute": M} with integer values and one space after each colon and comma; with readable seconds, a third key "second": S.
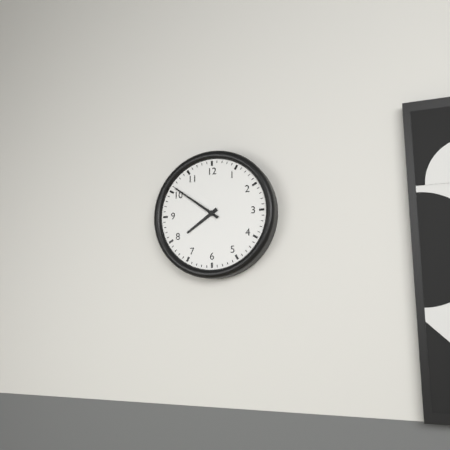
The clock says {"hour": 7, "minute": 51}
